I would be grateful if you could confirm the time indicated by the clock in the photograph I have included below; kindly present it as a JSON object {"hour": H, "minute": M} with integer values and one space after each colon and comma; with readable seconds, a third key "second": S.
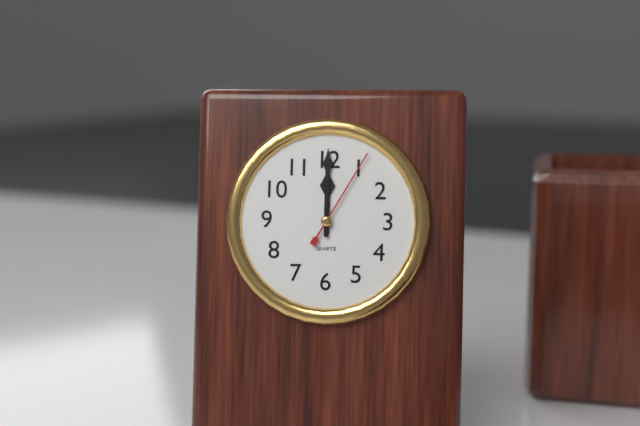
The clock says {"hour": 12, "minute": 0, "second": 5}
